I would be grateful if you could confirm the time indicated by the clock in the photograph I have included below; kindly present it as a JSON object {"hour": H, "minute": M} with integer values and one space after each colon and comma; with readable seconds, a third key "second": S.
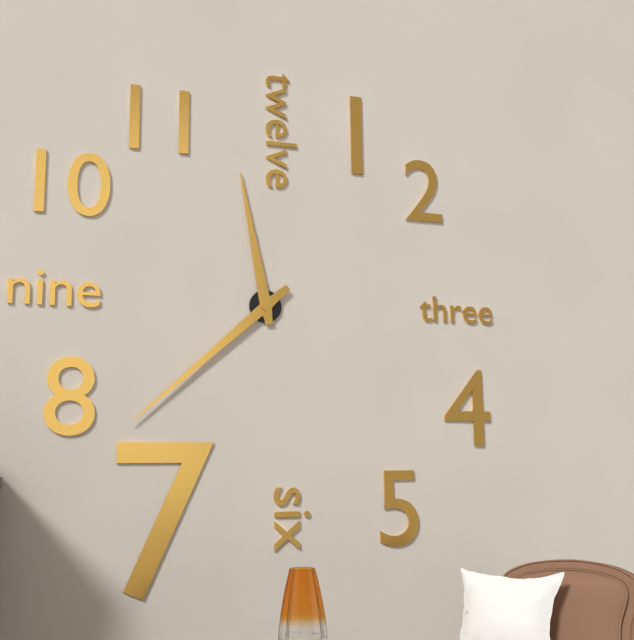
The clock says {"hour": 11, "minute": 38}
